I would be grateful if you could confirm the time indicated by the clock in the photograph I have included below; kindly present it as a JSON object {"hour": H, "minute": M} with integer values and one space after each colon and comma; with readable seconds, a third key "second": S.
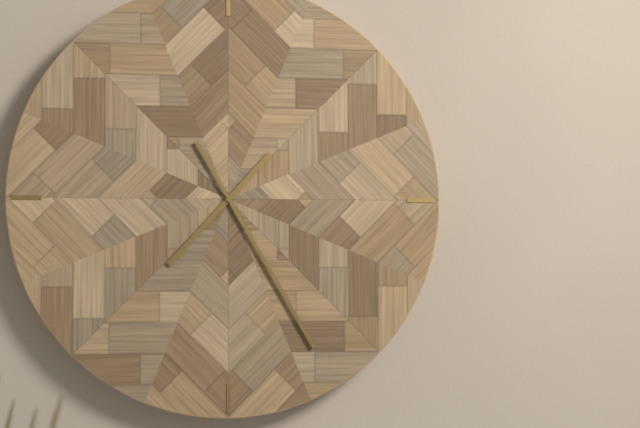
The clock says {"hour": 7, "minute": 25}
